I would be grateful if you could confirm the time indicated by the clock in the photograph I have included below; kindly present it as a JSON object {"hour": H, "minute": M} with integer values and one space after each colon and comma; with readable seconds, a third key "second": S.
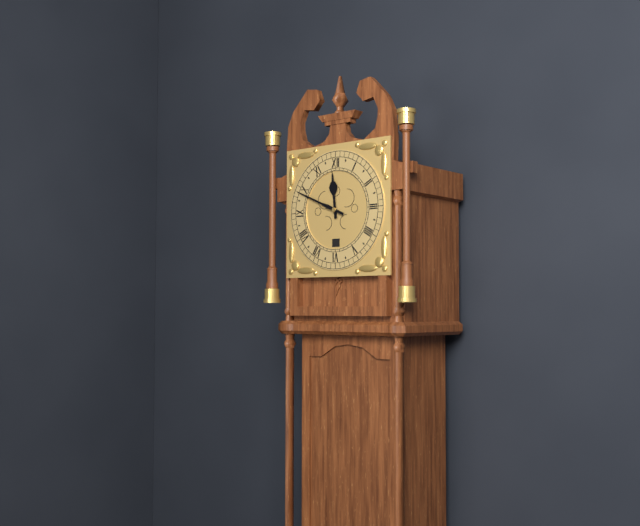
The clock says {"hour": 11, "minute": 49}
